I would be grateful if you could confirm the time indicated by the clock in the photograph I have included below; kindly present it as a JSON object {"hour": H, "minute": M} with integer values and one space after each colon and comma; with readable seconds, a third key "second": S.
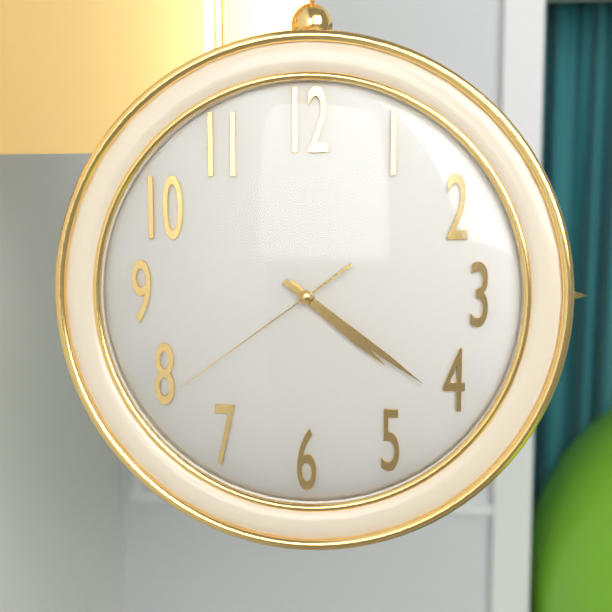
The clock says {"hour": 4, "minute": 21, "second": 39}
